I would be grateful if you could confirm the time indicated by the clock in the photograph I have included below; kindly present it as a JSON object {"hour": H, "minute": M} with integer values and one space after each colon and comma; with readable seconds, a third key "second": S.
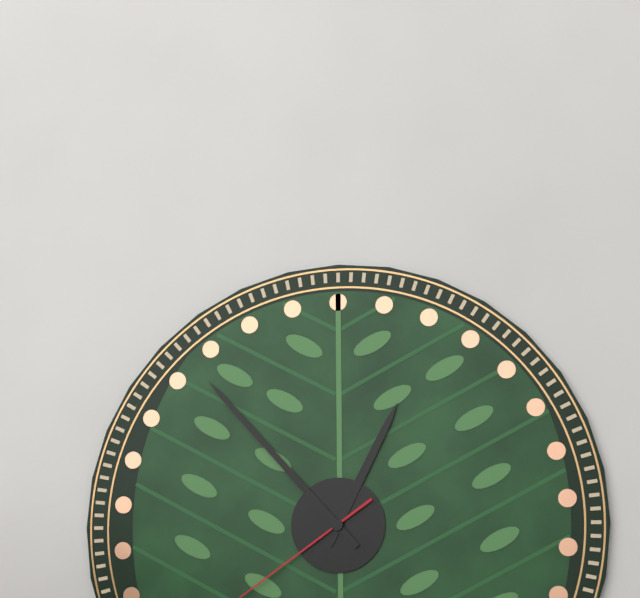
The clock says {"hour": 12, "minute": 53}
